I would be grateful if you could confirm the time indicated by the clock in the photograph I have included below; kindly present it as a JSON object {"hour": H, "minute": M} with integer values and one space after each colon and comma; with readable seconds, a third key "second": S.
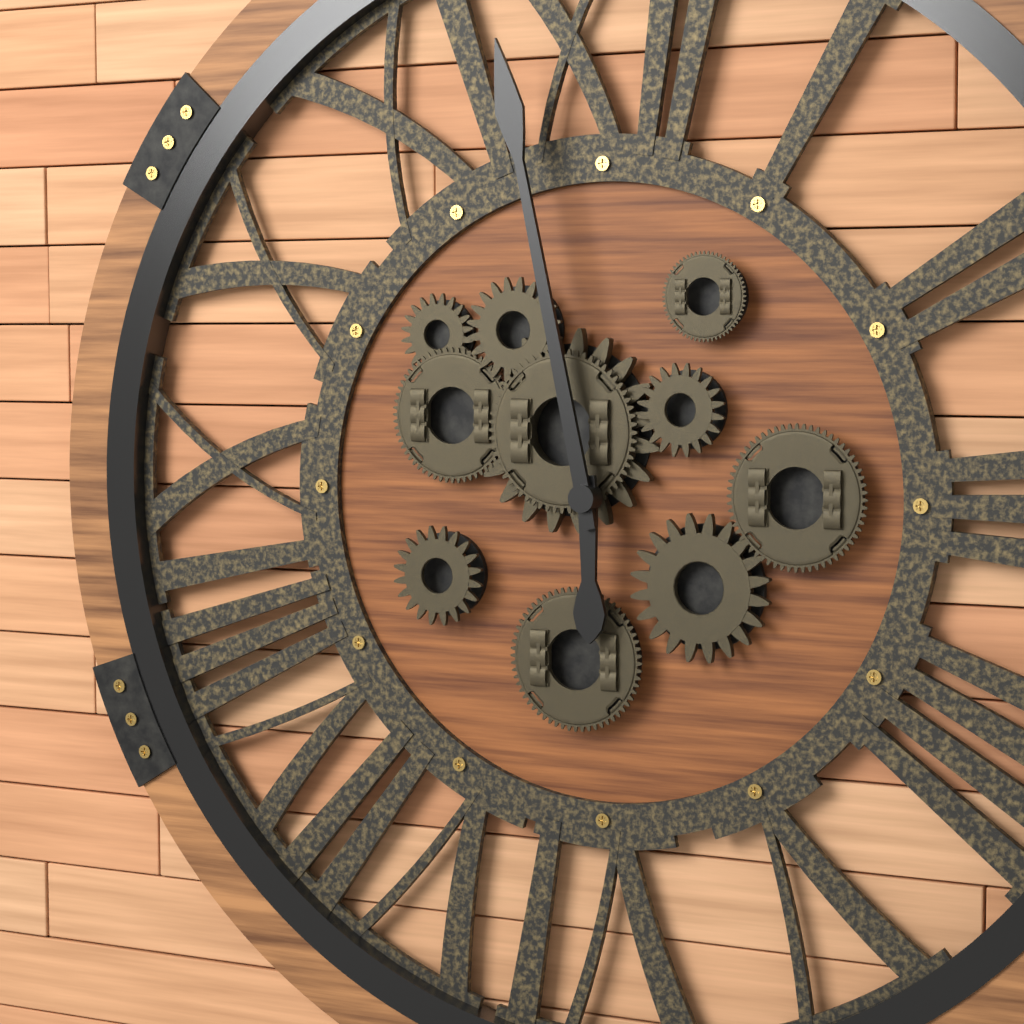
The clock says {"hour": 5, "minute": 58}
